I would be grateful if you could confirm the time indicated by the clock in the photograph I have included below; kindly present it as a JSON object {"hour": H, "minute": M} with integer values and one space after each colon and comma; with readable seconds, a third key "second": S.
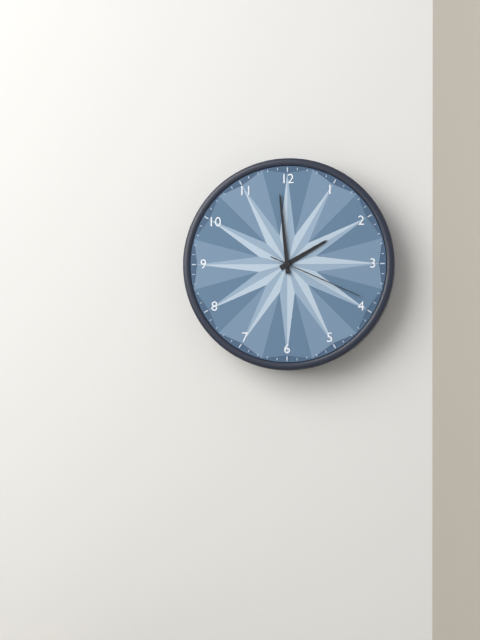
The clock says {"hour": 1, "minute": 59, "second": 19}
